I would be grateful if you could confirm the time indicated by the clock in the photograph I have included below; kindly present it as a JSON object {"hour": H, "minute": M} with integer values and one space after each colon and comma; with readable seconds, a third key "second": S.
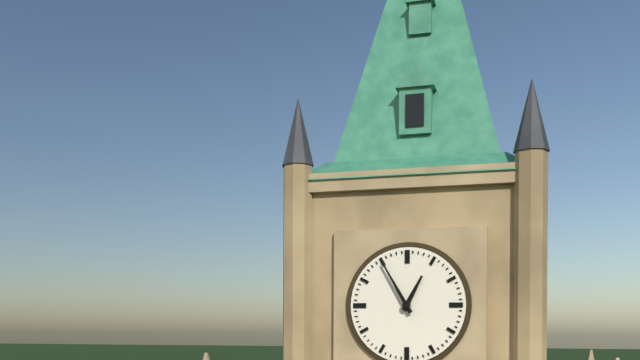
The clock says {"hour": 12, "minute": 55}
